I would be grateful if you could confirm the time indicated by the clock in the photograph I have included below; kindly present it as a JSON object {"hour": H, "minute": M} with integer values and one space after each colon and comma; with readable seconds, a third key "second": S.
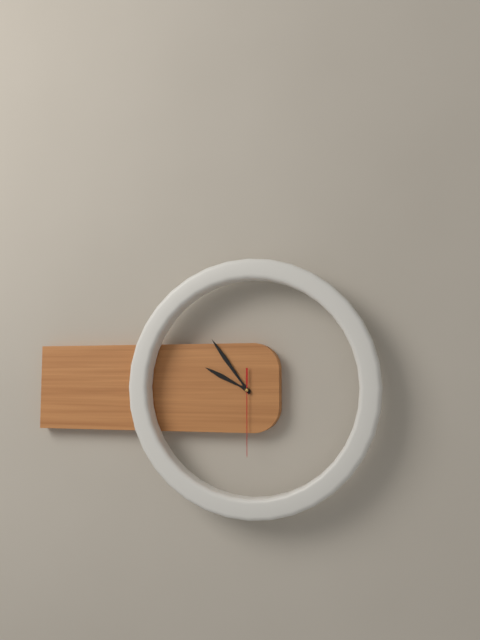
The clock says {"hour": 9, "minute": 54, "second": 30}
